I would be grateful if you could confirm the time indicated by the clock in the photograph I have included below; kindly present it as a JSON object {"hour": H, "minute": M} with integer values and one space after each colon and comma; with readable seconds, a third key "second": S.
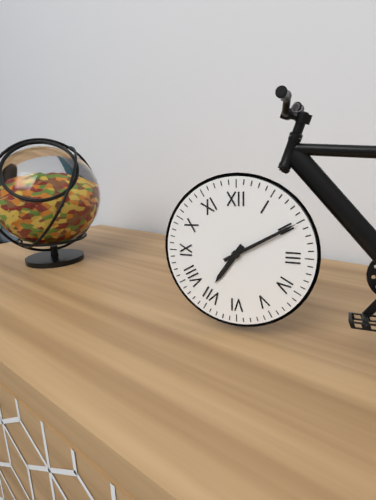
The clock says {"hour": 7, "minute": 10}
